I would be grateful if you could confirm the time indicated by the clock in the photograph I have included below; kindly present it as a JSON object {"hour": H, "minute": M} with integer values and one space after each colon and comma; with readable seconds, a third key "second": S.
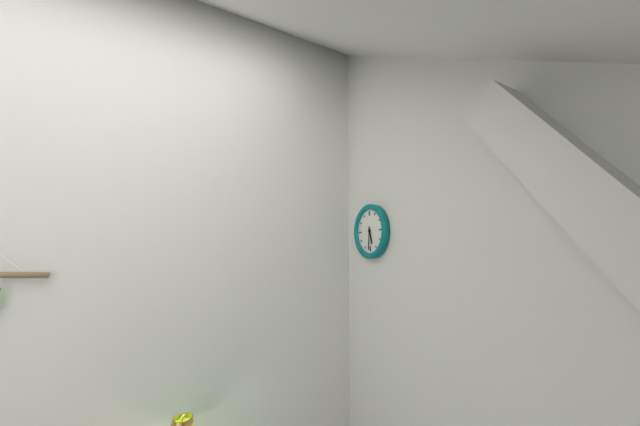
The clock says {"hour": 5, "minute": 31}
